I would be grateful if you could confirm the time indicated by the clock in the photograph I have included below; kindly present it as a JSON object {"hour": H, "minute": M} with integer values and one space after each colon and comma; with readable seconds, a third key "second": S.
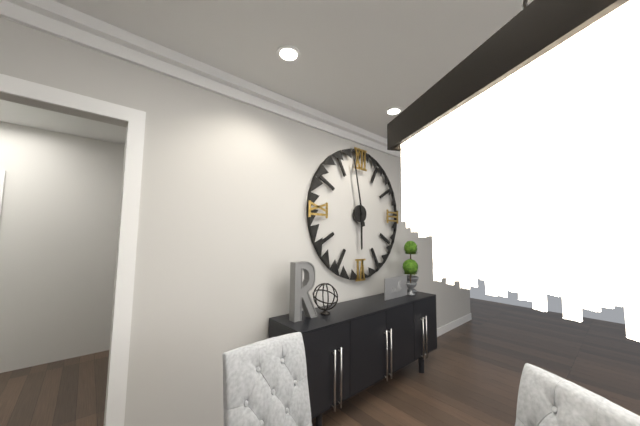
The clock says {"hour": 5, "minute": 58}
